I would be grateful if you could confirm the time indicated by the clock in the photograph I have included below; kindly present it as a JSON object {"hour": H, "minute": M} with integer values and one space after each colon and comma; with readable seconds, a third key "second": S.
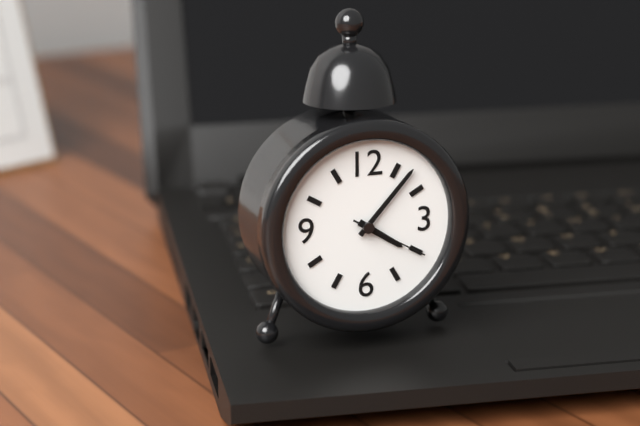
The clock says {"hour": 4, "minute": 7, "second": 20}
